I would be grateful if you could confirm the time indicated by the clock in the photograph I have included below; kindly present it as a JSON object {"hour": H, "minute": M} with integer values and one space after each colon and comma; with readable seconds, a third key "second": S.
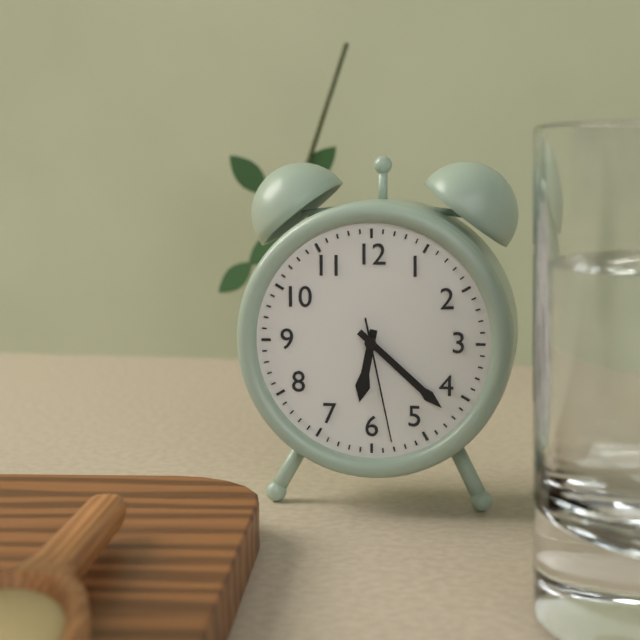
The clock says {"hour": 6, "minute": 22, "second": 28}
